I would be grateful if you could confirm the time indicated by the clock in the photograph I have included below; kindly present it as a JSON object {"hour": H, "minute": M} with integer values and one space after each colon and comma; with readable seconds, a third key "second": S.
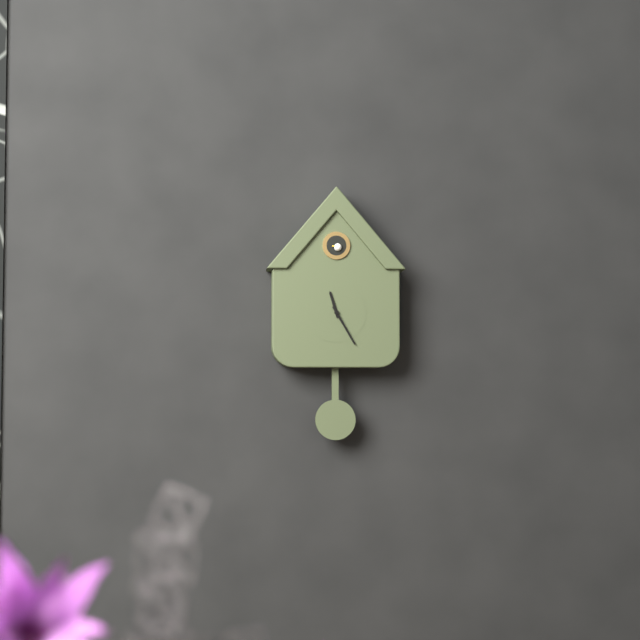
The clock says {"hour": 11, "minute": 25}
